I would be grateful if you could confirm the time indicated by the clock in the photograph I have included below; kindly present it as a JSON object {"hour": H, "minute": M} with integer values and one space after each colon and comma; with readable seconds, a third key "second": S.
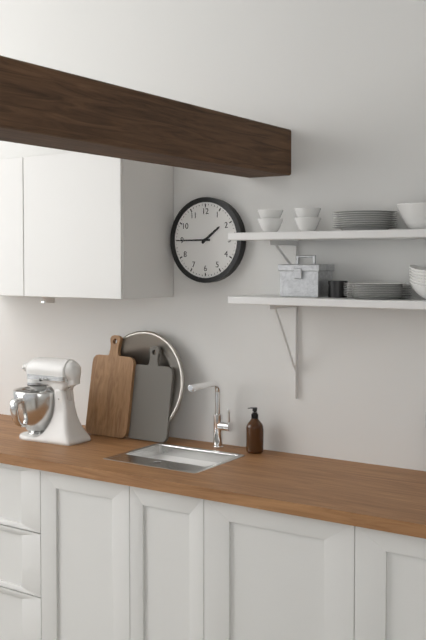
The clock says {"hour": 1, "minute": 45}
